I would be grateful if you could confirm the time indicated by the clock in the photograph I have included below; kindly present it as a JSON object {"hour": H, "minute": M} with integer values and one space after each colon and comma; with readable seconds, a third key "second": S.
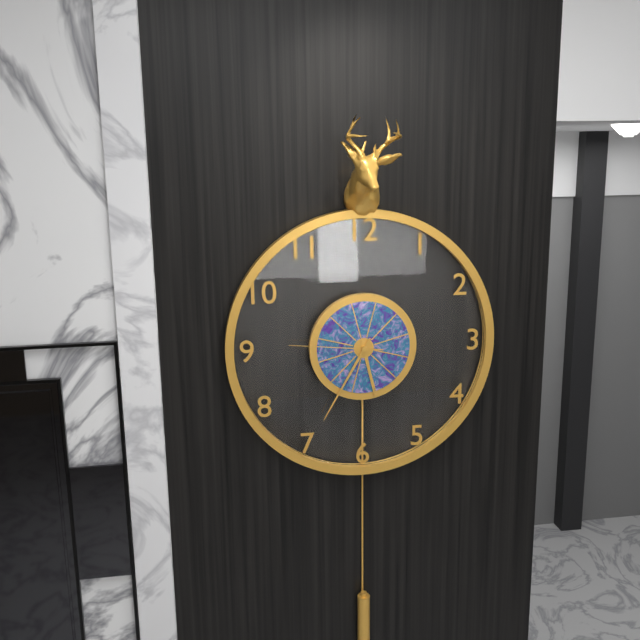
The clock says {"hour": 5, "minute": 35, "second": 46}
